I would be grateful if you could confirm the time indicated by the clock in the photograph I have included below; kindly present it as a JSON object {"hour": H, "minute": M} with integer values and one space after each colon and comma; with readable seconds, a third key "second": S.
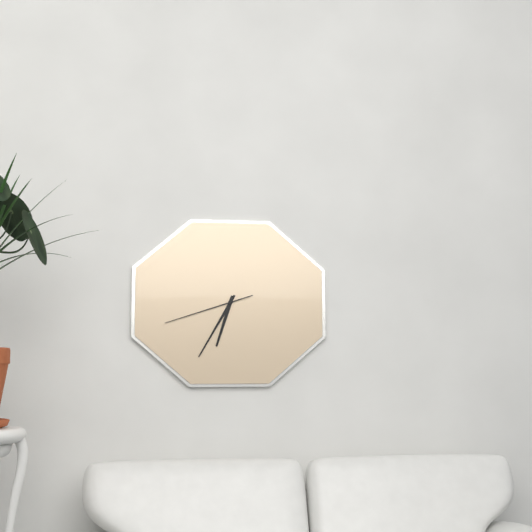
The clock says {"hour": 6, "minute": 35, "second": 42}
